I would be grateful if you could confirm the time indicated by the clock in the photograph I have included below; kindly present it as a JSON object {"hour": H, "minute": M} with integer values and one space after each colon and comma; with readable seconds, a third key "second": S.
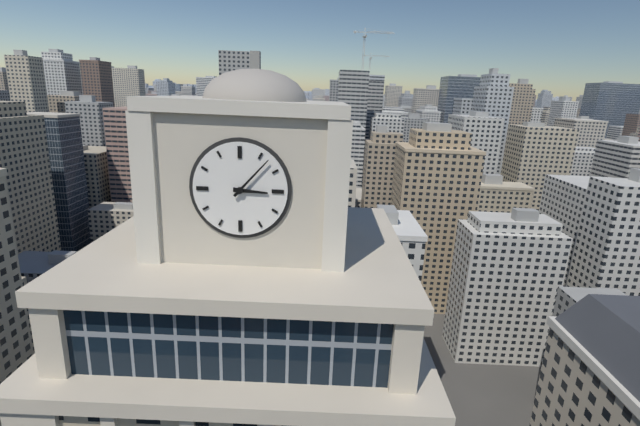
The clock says {"hour": 3, "minute": 7}
